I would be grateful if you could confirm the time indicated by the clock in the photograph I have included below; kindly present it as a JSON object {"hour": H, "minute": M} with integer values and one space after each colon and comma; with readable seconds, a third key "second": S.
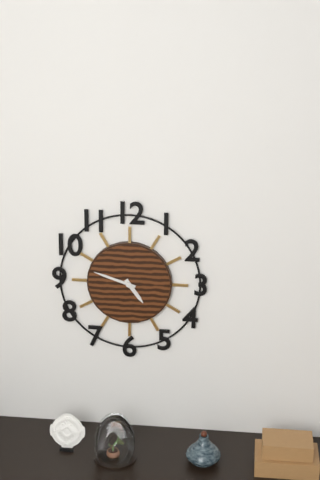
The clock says {"hour": 4, "minute": 48}
